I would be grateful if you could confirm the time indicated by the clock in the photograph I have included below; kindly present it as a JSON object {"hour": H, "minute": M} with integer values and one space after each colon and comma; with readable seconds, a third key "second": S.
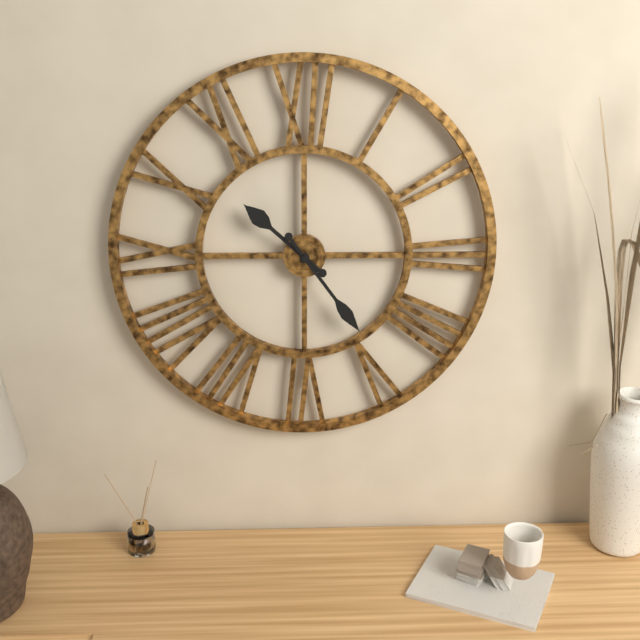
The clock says {"hour": 10, "minute": 24}
